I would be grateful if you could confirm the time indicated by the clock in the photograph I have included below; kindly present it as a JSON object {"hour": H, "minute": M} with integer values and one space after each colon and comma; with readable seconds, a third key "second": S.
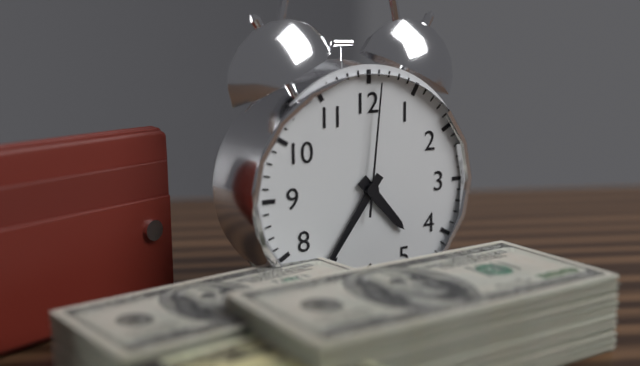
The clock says {"hour": 4, "minute": 36, "second": 1}
